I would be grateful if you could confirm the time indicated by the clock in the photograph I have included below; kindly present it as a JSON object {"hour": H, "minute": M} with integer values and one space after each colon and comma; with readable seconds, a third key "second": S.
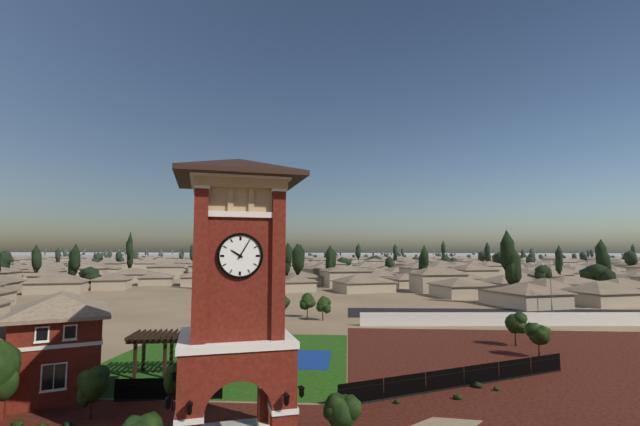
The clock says {"hour": 10, "minute": 5}
